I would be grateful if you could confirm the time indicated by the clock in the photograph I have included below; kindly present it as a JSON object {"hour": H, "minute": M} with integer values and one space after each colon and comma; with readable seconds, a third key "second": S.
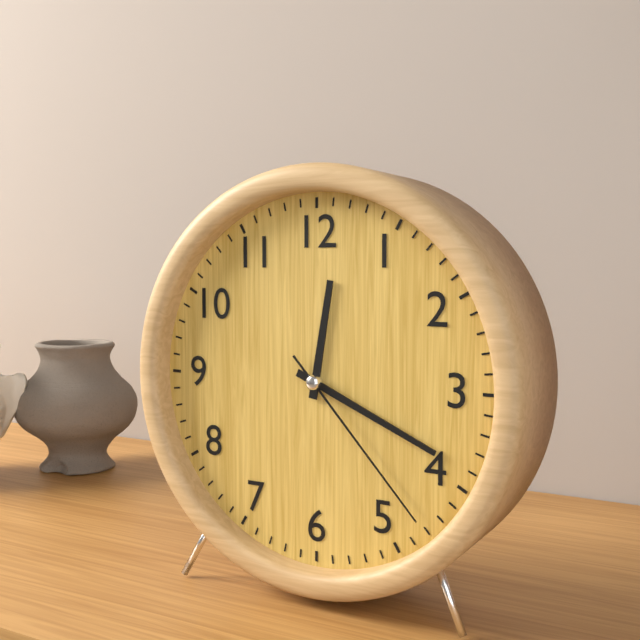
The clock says {"hour": 12, "minute": 19, "second": 23}
